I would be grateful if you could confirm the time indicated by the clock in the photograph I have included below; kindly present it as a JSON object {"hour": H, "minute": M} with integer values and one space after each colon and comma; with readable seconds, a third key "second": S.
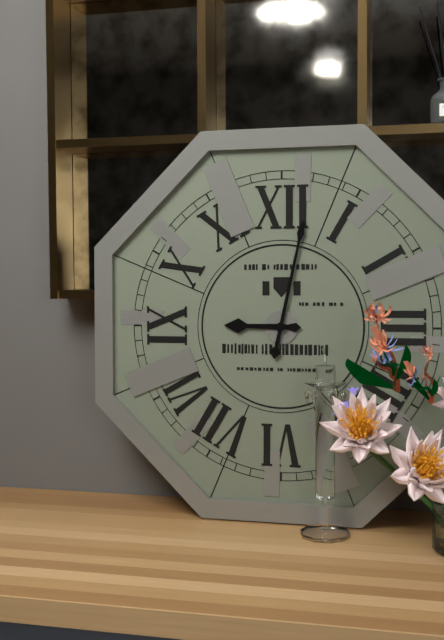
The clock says {"hour": 9, "minute": 2}
